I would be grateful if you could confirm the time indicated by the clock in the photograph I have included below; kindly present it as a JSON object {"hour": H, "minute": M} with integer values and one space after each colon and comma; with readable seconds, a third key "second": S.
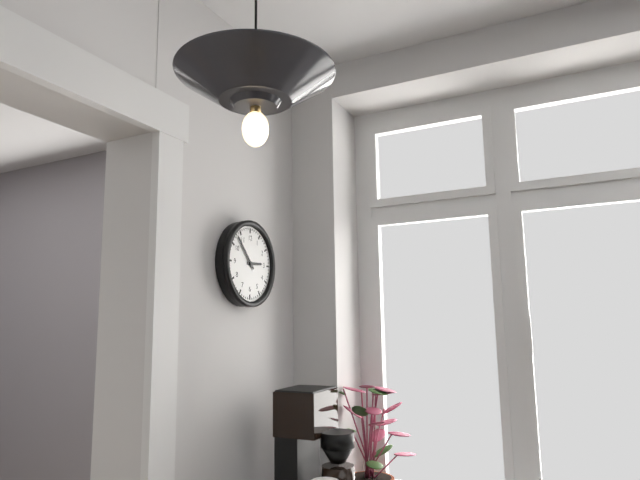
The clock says {"hour": 2, "minute": 53}
